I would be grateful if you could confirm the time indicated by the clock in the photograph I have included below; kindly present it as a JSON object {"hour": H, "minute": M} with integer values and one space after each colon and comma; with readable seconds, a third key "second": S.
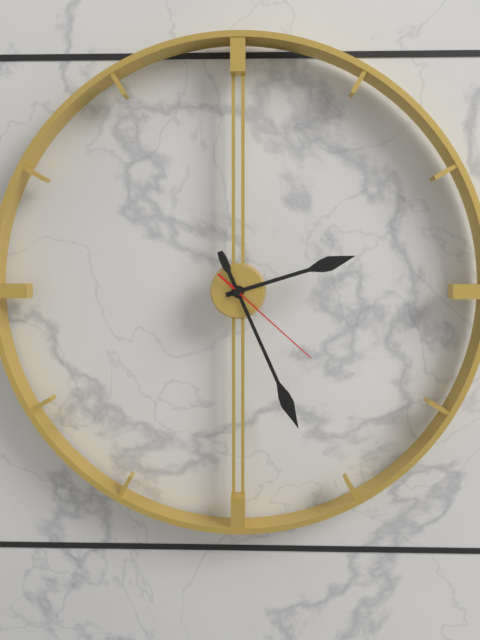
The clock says {"hour": 2, "minute": 26, "second": 22}
